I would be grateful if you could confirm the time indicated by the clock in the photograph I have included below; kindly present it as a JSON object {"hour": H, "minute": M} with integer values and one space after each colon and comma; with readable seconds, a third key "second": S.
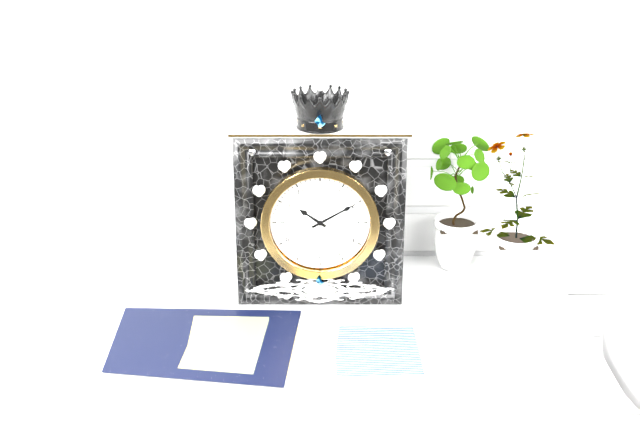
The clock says {"hour": 10, "minute": 10}
